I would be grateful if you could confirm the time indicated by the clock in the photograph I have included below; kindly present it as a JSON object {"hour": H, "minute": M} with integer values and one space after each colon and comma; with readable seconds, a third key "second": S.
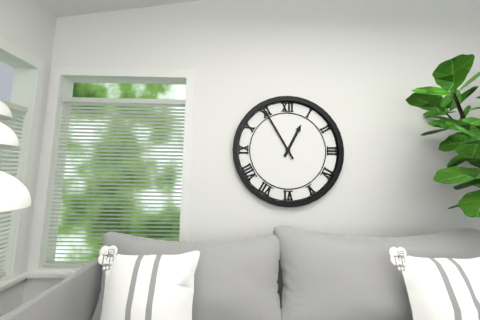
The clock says {"hour": 12, "minute": 55}
